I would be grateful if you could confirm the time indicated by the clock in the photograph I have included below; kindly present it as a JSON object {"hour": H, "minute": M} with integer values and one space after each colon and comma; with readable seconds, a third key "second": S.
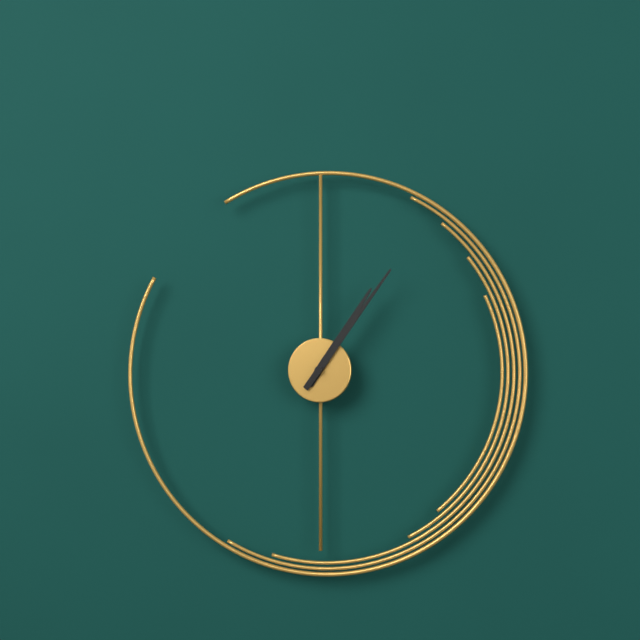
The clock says {"hour": 1, "minute": 6}
